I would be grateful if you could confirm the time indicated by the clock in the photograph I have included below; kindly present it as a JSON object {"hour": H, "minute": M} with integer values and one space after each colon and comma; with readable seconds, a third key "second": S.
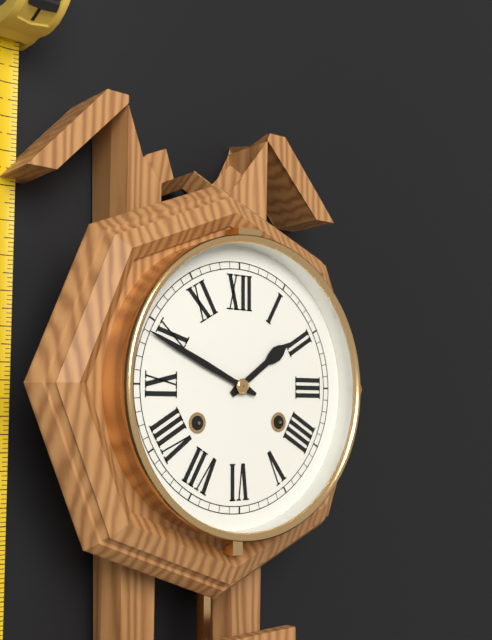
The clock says {"hour": 1, "minute": 49}
